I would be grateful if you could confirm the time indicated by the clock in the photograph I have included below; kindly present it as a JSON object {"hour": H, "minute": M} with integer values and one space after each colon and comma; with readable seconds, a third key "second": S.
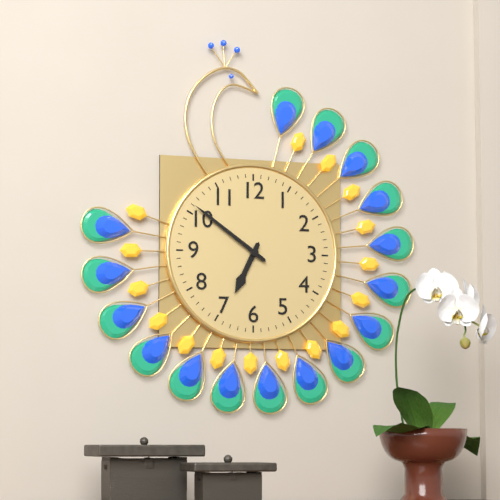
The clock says {"hour": 6, "minute": 51}
